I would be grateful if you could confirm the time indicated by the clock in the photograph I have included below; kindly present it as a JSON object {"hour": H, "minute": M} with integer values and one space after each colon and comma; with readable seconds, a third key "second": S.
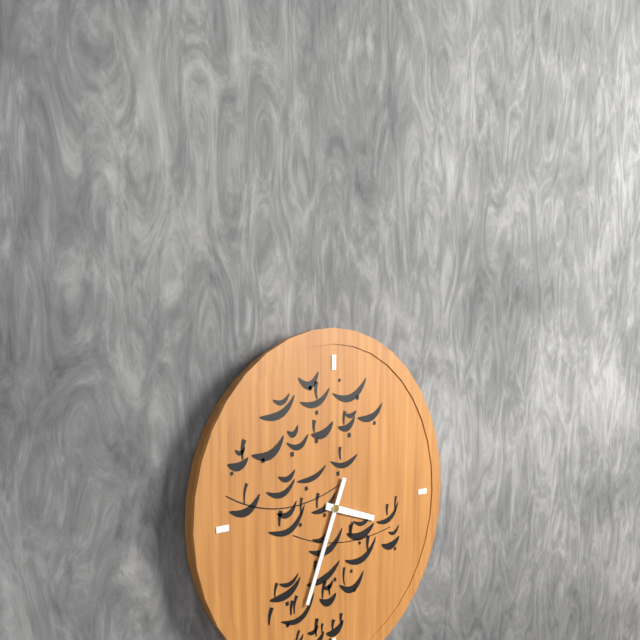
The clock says {"hour": 3, "minute": 34}
